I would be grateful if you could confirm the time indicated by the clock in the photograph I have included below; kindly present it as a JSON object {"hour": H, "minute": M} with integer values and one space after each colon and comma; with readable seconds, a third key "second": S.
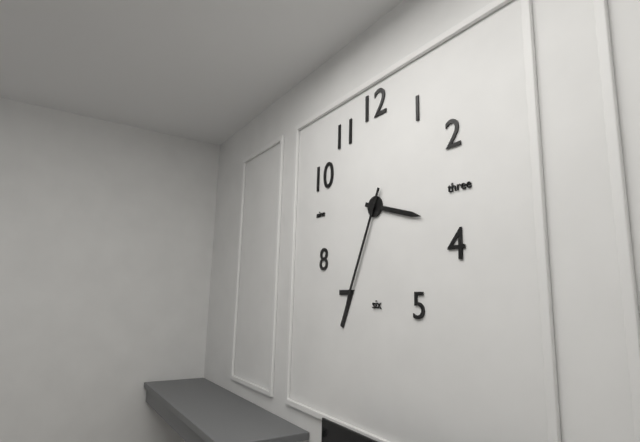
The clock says {"hour": 3, "minute": 34}
